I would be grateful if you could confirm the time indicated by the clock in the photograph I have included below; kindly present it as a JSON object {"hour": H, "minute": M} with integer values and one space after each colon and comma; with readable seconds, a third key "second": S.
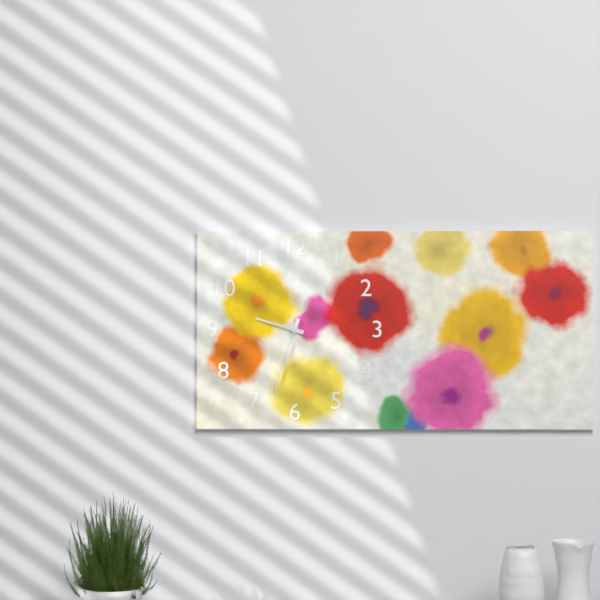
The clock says {"hour": 9, "minute": 33}
